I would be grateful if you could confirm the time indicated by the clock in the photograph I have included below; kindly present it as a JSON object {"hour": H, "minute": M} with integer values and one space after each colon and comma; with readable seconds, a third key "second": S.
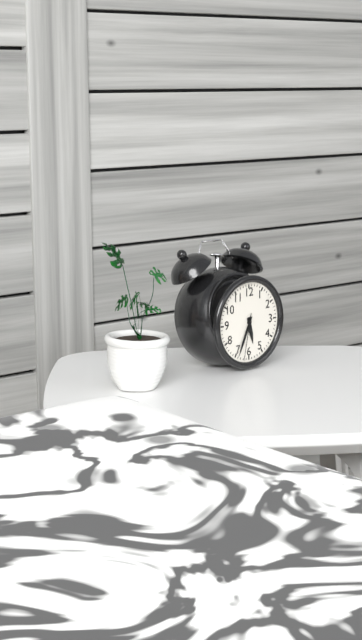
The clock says {"hour": 5, "minute": 34}
